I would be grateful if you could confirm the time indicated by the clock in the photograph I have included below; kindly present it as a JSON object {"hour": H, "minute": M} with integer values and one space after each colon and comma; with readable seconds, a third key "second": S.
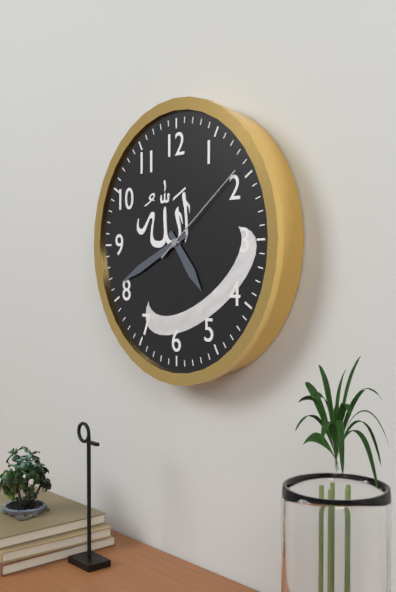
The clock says {"hour": 4, "minute": 41, "second": 9}
